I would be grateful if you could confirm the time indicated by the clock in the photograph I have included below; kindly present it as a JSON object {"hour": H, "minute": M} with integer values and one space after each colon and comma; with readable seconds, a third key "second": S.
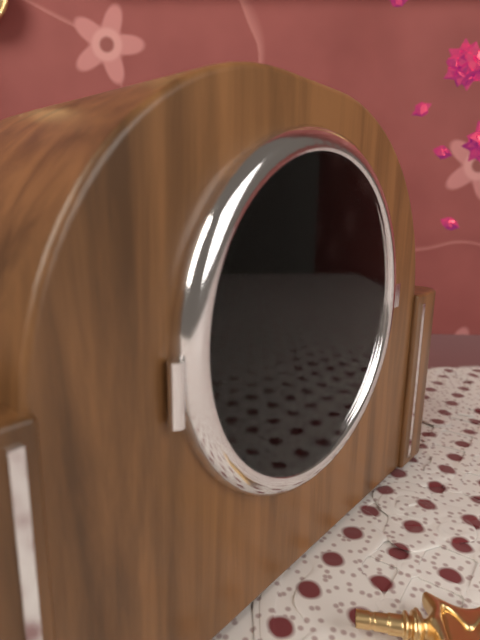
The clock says {"hour": 6, "minute": 50}
